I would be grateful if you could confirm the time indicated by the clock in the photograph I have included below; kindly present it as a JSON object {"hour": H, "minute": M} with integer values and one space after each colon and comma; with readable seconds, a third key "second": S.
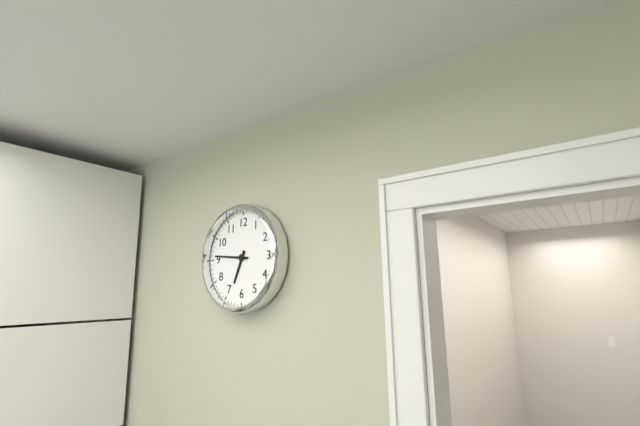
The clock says {"hour": 6, "minute": 46}
